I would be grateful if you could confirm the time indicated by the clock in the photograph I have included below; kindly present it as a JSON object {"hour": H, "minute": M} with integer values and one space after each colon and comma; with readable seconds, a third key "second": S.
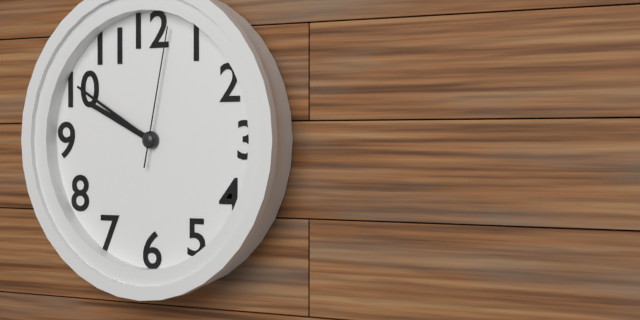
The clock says {"hour": 9, "minute": 50, "second": 2}
